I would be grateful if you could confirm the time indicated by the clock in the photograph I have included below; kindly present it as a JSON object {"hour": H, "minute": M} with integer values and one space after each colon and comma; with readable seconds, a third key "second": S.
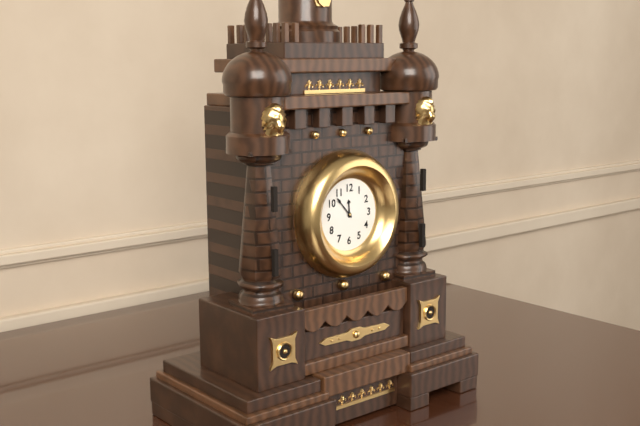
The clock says {"hour": 11, "minute": 53}
